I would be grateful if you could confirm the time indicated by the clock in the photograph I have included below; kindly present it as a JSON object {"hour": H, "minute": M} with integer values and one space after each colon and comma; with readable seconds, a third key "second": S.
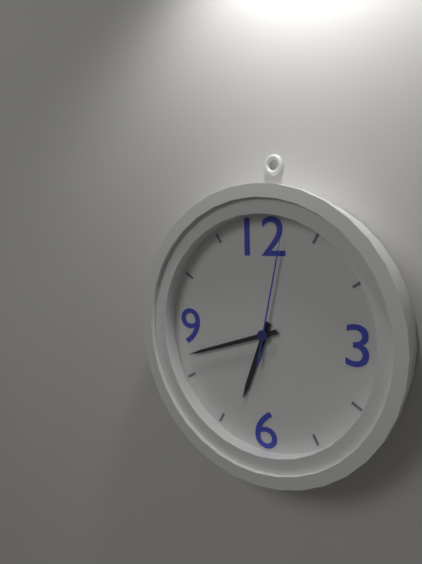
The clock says {"hour": 6, "minute": 42, "second": 2}
